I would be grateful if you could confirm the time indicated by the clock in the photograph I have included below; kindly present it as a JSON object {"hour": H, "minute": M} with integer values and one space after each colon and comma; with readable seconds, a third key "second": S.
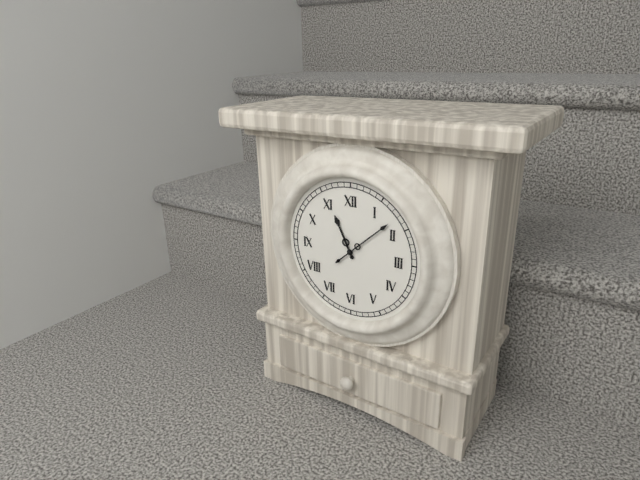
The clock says {"hour": 11, "minute": 8}
